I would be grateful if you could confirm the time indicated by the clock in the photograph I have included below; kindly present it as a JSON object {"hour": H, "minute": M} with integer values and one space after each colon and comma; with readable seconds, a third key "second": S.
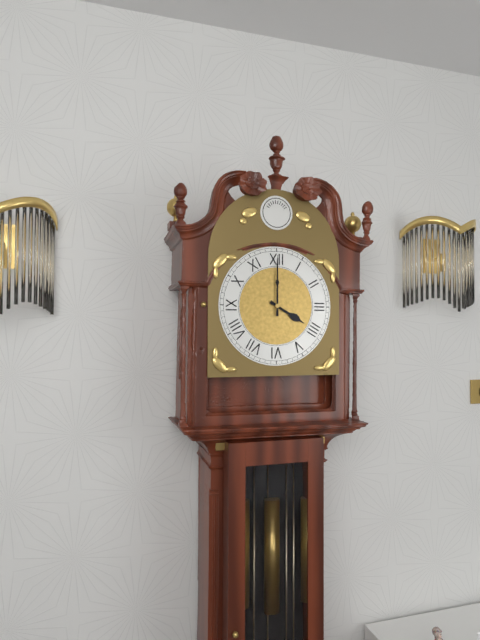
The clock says {"hour": 4, "minute": 0}
